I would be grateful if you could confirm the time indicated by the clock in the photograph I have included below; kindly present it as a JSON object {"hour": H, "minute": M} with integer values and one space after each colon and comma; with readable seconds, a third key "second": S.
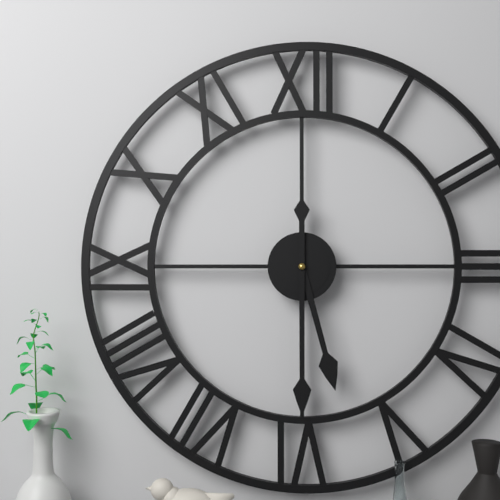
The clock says {"hour": 5, "minute": 30}
